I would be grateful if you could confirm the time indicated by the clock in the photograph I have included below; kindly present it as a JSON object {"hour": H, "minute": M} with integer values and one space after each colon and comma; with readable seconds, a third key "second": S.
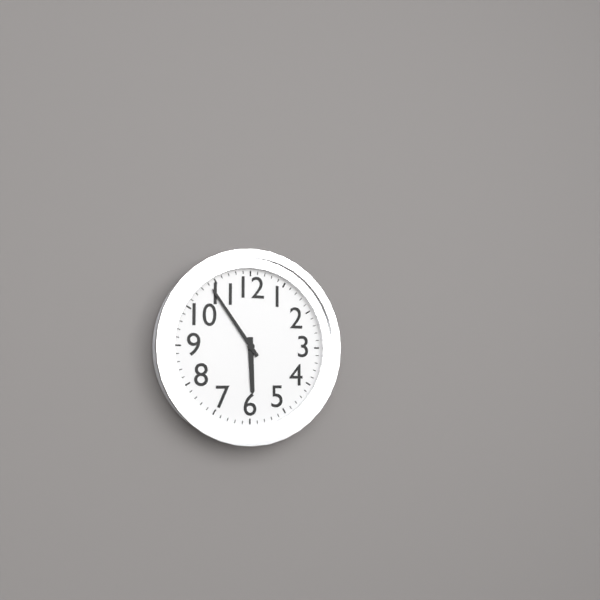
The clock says {"hour": 5, "minute": 54}
